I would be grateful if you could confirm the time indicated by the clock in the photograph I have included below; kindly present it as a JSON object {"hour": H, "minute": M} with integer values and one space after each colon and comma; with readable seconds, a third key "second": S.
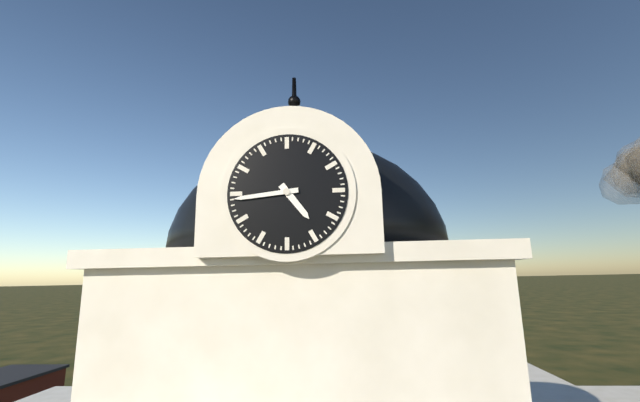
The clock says {"hour": 4, "minute": 44}
